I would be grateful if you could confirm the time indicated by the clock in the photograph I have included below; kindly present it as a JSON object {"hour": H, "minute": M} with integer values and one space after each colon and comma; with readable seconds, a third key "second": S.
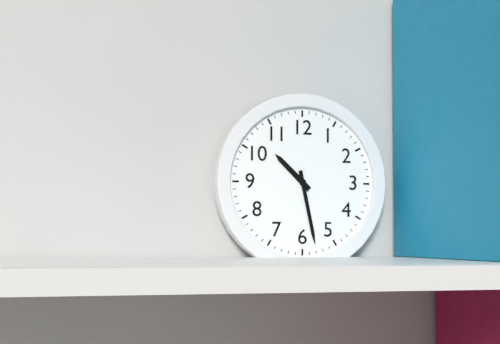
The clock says {"hour": 10, "minute": 28}
